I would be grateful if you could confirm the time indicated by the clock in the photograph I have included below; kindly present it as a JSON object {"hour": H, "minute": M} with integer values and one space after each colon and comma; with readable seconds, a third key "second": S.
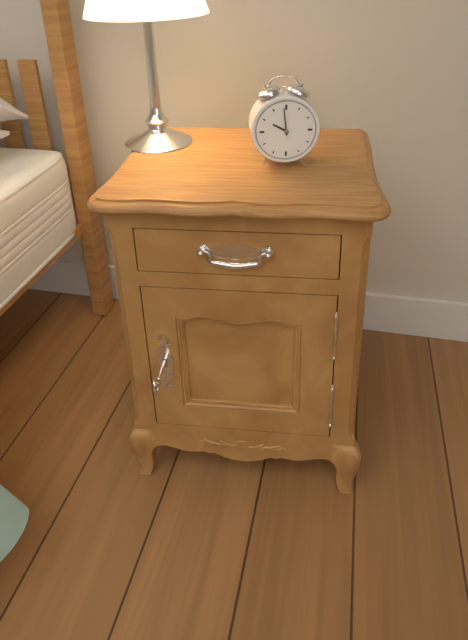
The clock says {"hour": 9, "minute": 59}
